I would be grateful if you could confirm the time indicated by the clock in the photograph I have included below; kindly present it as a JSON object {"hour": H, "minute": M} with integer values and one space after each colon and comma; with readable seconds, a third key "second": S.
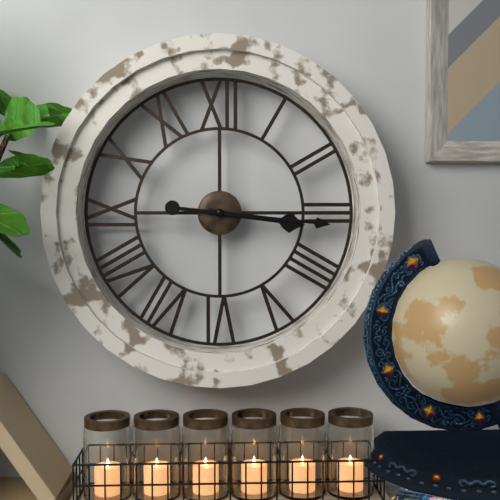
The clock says {"hour": 3, "minute": 16}
